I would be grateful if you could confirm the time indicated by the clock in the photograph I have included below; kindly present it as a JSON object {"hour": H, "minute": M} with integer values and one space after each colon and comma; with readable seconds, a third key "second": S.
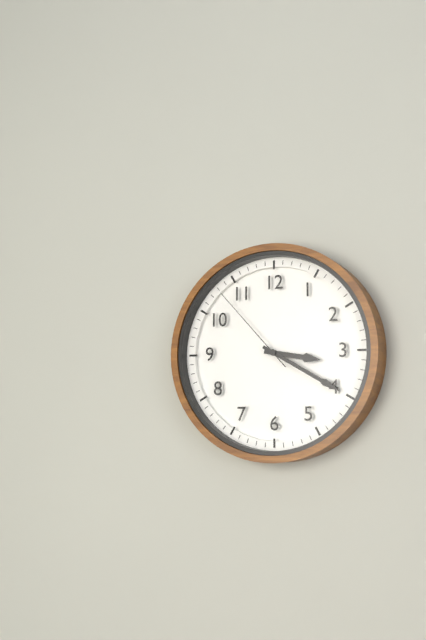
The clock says {"hour": 3, "minute": 20, "second": 53}
